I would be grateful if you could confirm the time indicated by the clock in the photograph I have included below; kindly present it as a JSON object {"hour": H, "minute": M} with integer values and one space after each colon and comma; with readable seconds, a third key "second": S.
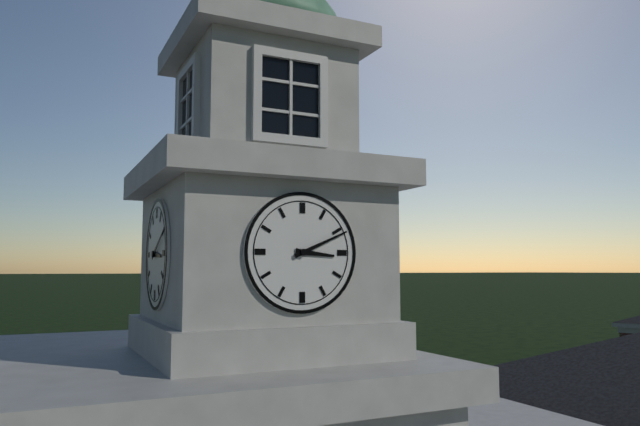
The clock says {"hour": 3, "minute": 11}
